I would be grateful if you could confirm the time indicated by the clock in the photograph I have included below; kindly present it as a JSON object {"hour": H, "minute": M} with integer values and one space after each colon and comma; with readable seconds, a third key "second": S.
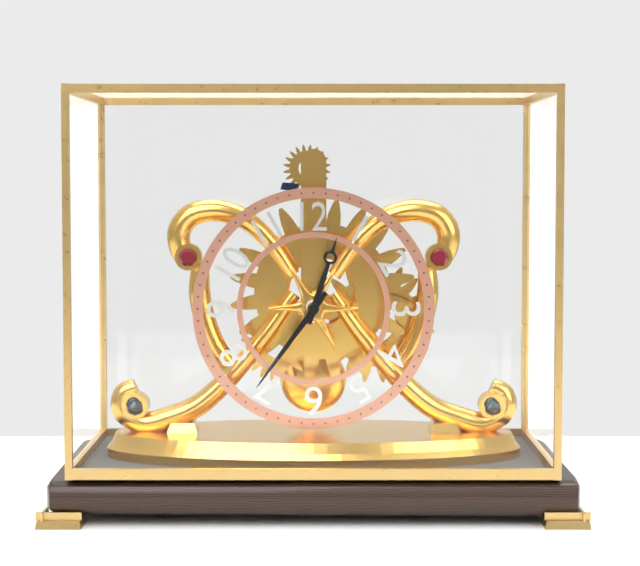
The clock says {"hour": 12, "minute": 36}
